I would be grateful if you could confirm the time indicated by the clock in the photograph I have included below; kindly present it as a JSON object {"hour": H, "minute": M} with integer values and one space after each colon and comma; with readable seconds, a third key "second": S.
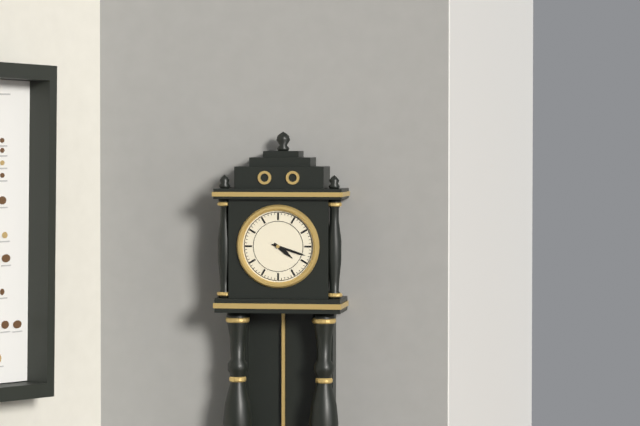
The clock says {"hour": 4, "minute": 18}
